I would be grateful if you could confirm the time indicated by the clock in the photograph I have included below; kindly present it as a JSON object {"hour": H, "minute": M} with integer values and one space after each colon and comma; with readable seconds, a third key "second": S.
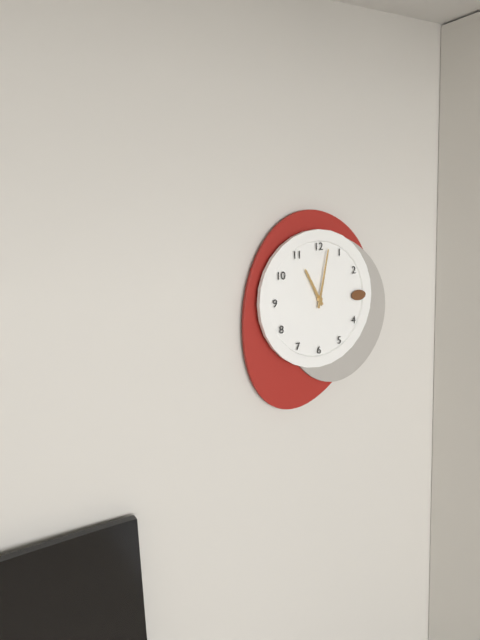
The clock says {"hour": 11, "minute": 2}
